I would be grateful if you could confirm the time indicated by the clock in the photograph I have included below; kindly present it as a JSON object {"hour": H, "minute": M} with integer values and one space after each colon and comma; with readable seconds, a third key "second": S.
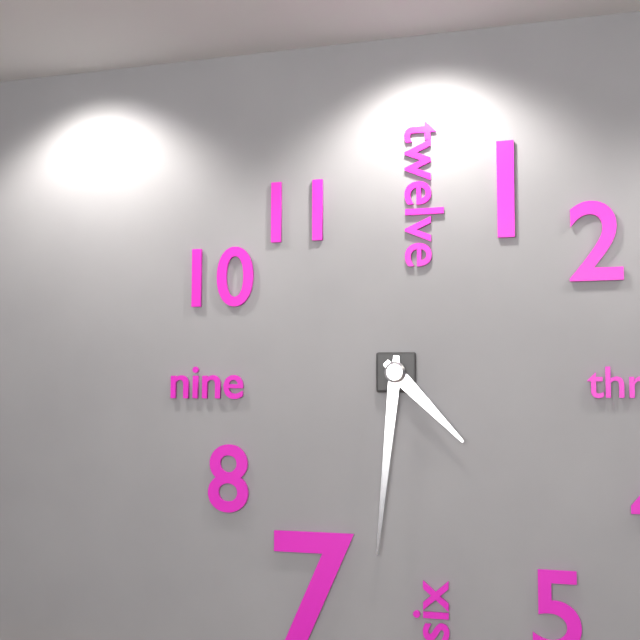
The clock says {"hour": 4, "minute": 31}
